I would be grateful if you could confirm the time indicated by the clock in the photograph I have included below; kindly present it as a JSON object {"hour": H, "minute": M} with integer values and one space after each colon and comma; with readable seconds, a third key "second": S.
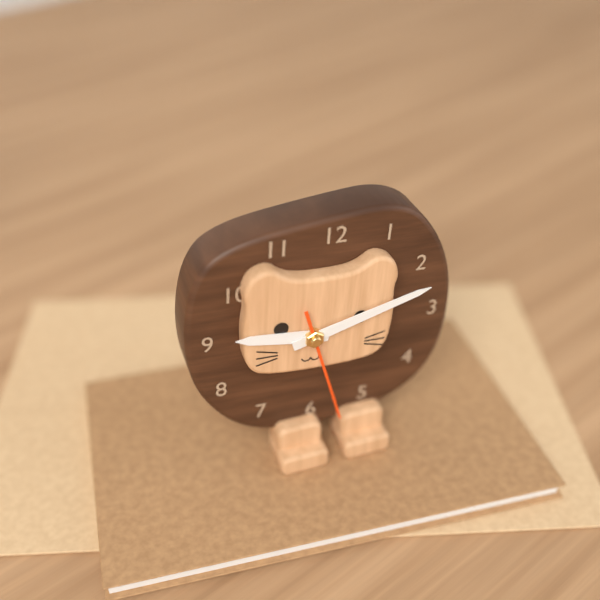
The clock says {"hour": 9, "minute": 12, "second": 27}
